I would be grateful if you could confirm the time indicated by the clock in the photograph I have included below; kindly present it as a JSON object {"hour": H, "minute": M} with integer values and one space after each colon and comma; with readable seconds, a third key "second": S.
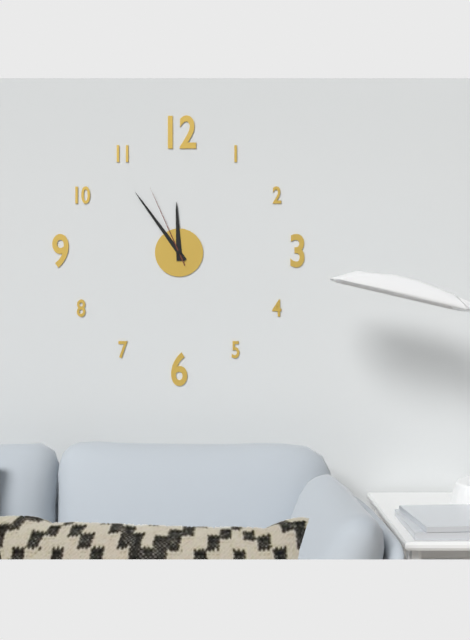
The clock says {"hour": 11, "minute": 54, "second": 56}
